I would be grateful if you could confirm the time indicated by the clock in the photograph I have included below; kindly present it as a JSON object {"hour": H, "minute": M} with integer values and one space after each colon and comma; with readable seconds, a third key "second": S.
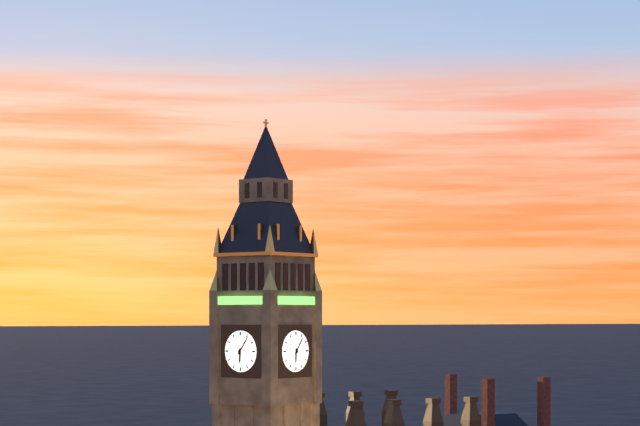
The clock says {"hour": 6, "minute": 6}
